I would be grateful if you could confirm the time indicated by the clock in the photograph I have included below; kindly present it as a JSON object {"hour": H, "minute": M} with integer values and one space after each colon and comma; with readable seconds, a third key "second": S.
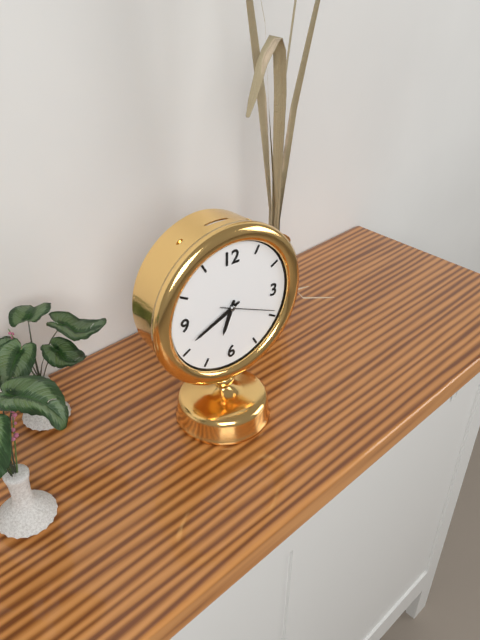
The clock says {"hour": 6, "minute": 41, "second": 19}
